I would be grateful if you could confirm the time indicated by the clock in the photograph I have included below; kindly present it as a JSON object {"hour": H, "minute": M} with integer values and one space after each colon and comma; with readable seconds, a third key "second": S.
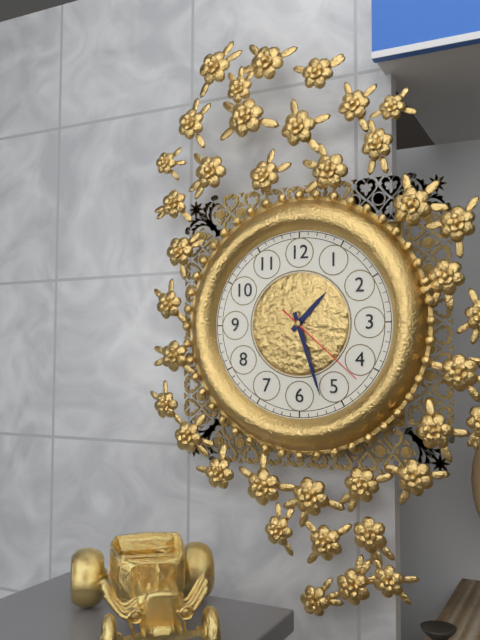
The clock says {"hour": 1, "minute": 27, "second": 22}
